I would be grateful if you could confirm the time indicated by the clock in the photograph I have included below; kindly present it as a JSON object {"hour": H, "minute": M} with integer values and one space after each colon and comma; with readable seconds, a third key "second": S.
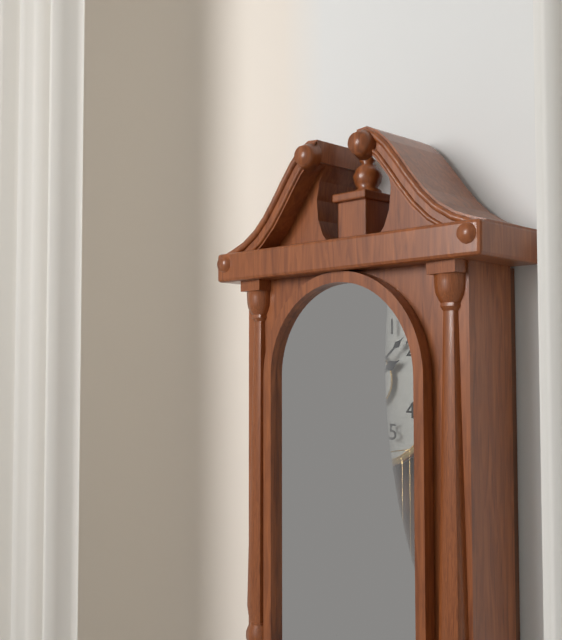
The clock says {"hour": 2, "minute": 8}
